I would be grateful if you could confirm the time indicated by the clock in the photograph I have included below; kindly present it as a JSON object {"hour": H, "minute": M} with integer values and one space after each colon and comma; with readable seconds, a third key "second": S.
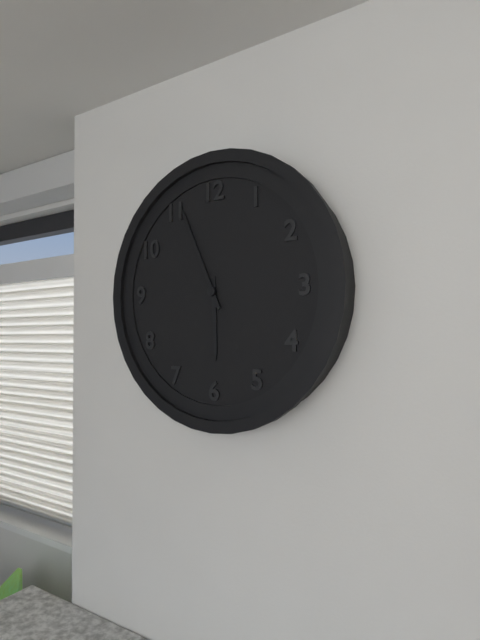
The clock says {"hour": 5, "minute": 56}
